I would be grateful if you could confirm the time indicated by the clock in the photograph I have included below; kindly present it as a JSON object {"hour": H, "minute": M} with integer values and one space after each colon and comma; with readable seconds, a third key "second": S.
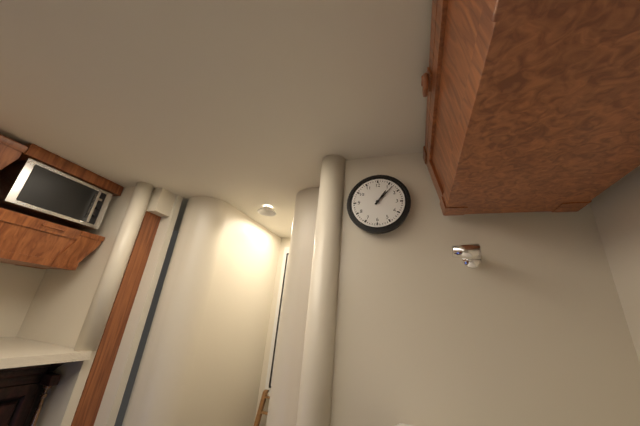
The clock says {"hour": 1, "minute": 7}
